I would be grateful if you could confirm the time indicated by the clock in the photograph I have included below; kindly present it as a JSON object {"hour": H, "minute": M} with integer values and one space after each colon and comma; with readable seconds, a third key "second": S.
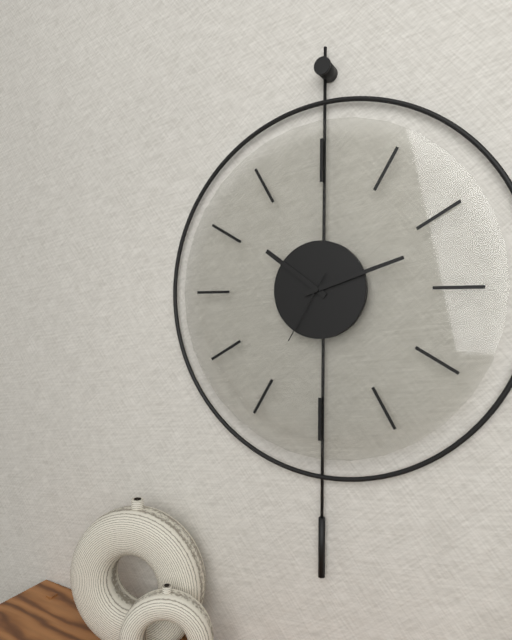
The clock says {"hour": 10, "minute": 12, "second": 35}
